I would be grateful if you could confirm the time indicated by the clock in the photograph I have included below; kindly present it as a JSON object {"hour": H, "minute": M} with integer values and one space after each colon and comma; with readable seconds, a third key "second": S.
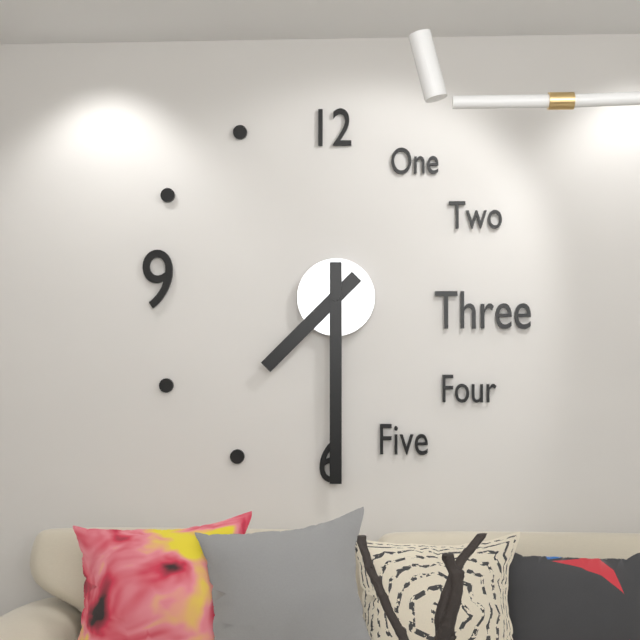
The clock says {"hour": 7, "minute": 30}
